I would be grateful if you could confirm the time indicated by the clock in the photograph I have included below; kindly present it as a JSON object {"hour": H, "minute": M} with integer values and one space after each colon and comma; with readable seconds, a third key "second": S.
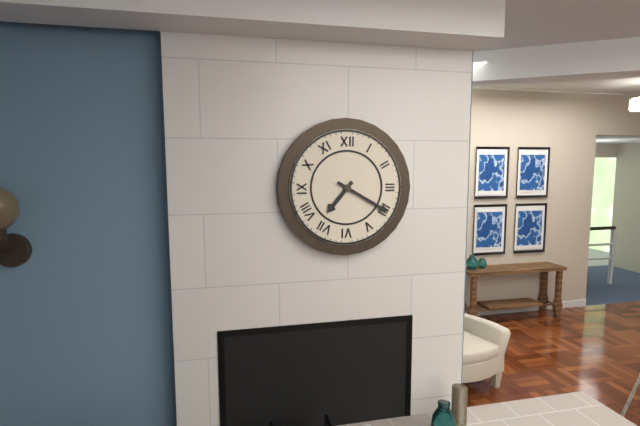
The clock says {"hour": 7, "minute": 20}
